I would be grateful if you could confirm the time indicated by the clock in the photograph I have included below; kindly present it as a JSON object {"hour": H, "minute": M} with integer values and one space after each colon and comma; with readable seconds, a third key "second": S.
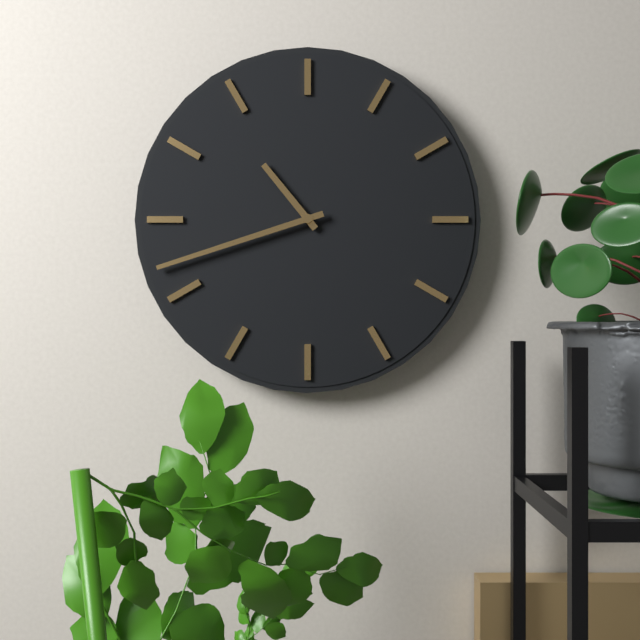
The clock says {"hour": 10, "minute": 42}
